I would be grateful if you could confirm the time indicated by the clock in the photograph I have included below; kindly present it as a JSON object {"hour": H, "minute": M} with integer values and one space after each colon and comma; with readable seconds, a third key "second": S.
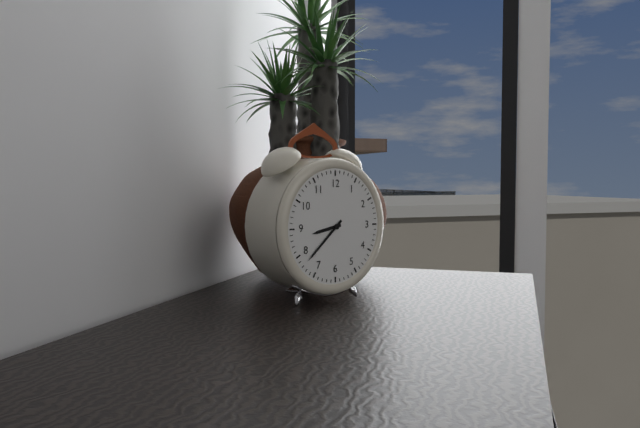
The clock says {"hour": 8, "minute": 38}
